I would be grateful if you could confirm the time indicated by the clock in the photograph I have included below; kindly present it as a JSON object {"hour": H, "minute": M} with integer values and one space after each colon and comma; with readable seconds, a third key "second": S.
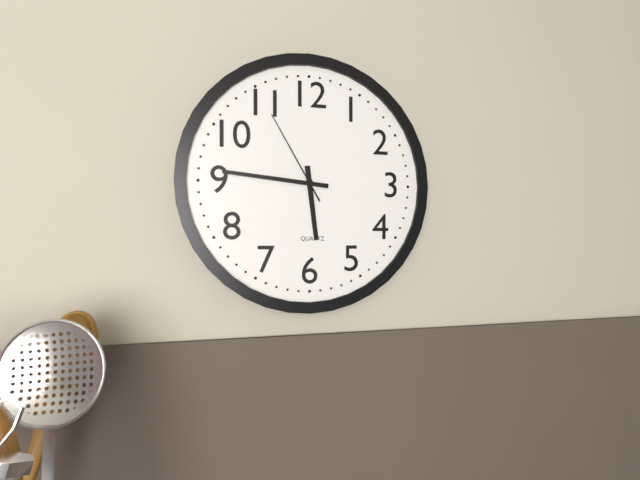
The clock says {"hour": 5, "minute": 46, "second": 55}
